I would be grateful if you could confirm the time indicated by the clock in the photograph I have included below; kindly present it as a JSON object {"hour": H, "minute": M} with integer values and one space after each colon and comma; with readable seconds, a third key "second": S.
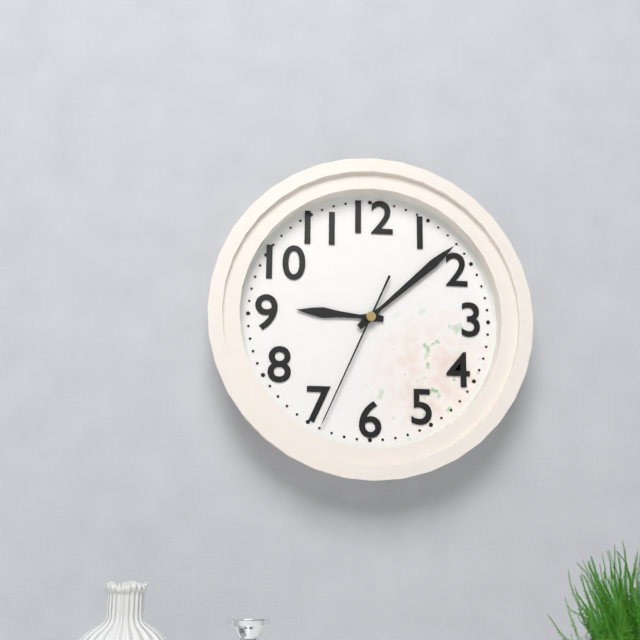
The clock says {"hour": 9, "minute": 8, "second": 34}
